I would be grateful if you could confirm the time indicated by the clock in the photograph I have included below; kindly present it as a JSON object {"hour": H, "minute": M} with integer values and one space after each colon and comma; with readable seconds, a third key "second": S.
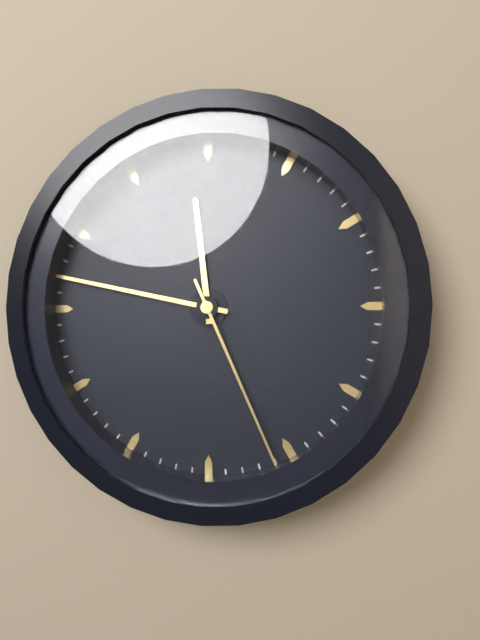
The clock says {"hour": 11, "minute": 47, "second": 26}
